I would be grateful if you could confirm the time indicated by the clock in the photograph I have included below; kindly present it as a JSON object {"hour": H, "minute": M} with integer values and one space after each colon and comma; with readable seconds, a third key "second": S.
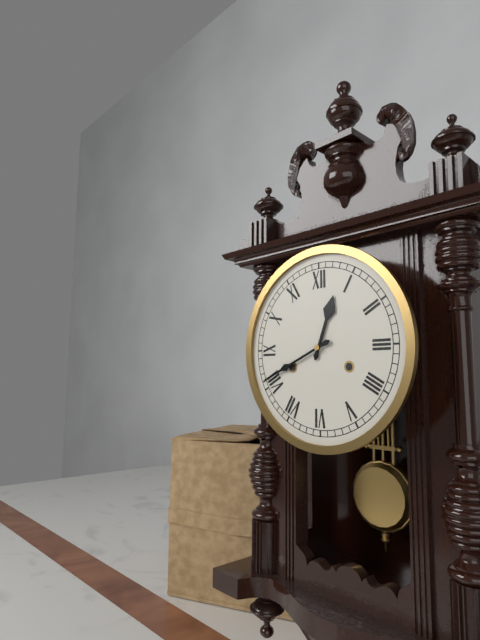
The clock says {"hour": 12, "minute": 41}
